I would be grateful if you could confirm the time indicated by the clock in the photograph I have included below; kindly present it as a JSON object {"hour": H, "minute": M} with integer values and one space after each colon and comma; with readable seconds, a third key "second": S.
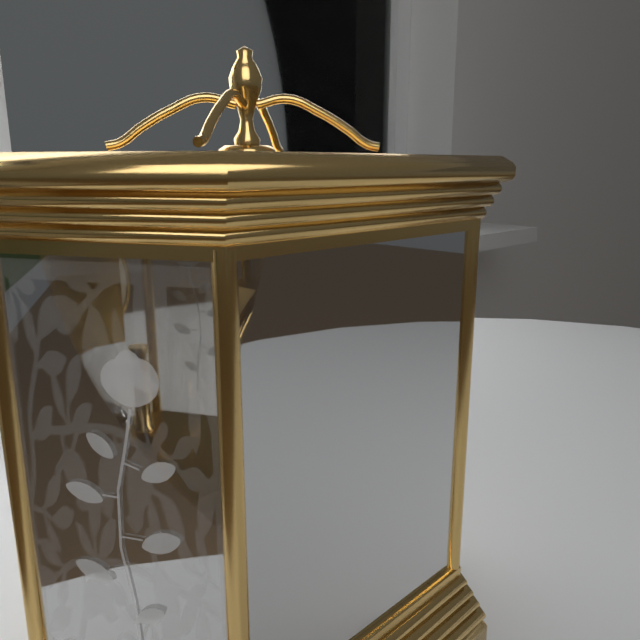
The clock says {"hour": 10, "minute": 12}
